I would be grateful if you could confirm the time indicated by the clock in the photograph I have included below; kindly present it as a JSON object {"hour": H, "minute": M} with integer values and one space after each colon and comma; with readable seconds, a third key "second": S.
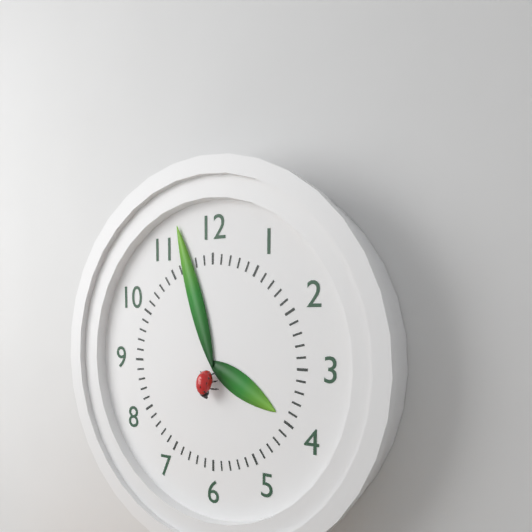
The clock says {"hour": 3, "minute": 57}
